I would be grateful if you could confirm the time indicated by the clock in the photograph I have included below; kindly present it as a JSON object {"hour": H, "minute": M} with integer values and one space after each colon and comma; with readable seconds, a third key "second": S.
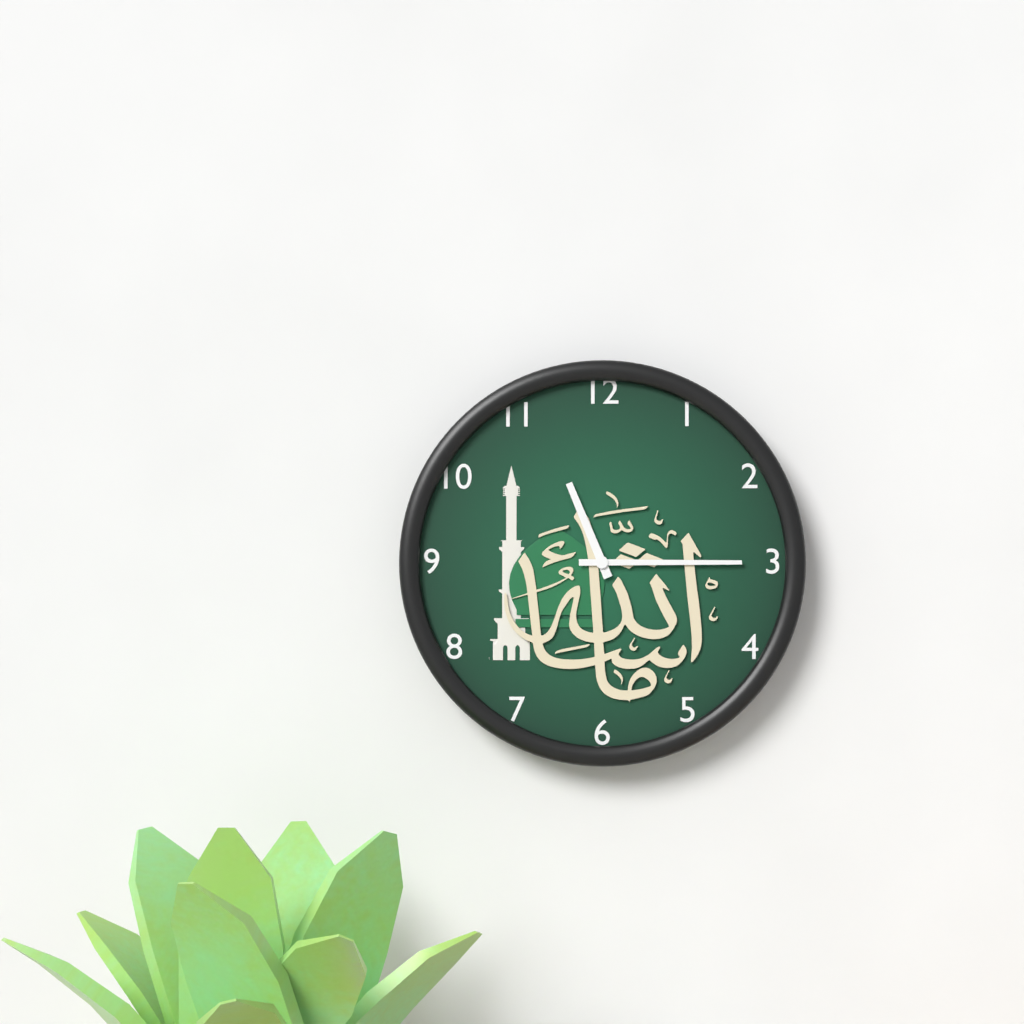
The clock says {"hour": 11, "minute": 15}
